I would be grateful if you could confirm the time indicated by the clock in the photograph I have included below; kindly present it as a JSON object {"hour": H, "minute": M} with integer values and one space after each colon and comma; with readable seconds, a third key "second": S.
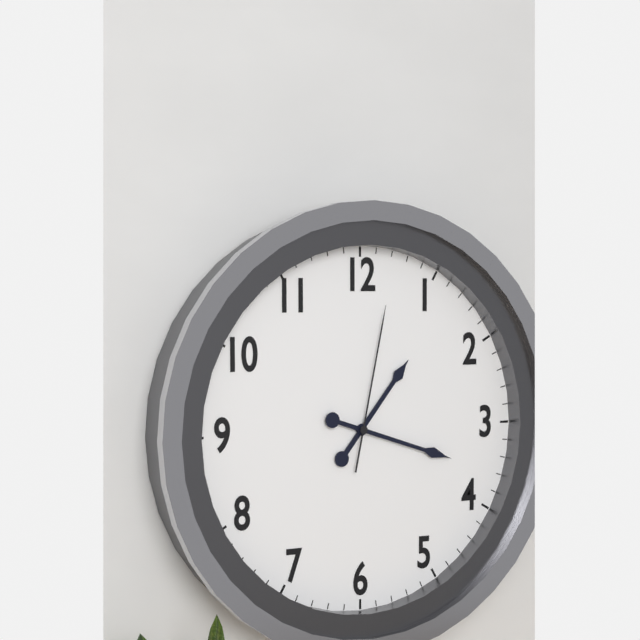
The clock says {"hour": 1, "minute": 18, "second": 2}
